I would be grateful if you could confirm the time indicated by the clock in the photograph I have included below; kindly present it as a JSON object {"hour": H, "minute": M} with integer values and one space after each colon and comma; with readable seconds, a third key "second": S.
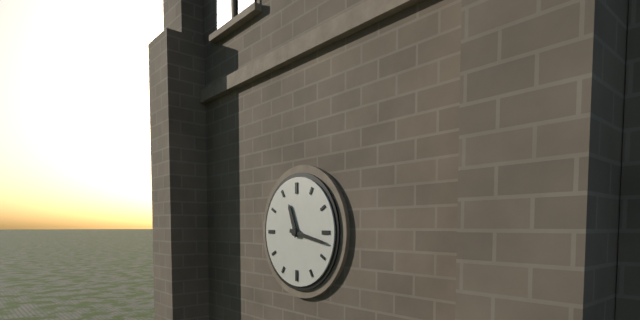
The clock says {"hour": 11, "minute": 17}
